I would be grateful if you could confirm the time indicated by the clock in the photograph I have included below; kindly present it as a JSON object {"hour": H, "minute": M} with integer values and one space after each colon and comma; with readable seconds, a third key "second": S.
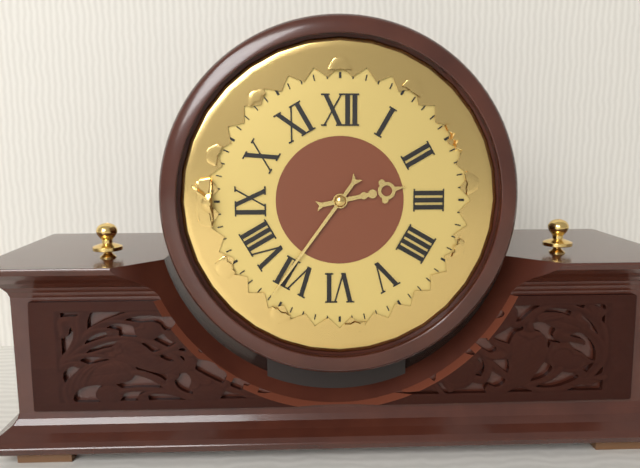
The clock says {"hour": 2, "minute": 36}
